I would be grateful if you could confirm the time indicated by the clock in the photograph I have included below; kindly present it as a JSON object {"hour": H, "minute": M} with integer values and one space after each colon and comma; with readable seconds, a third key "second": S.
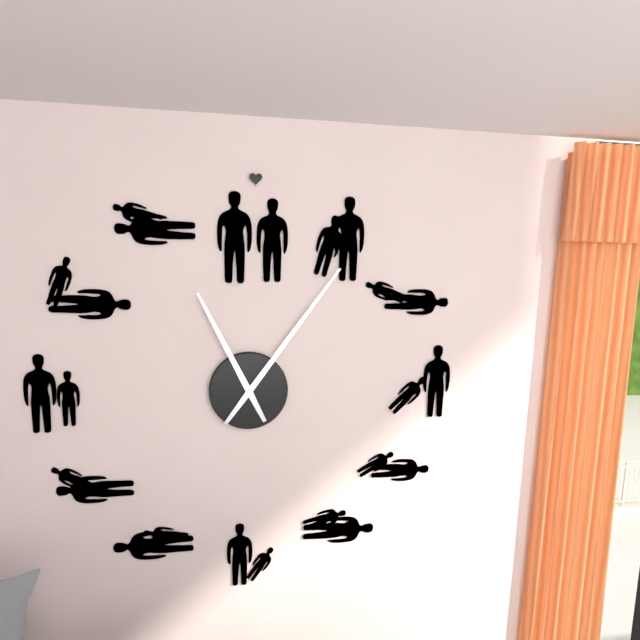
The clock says {"hour": 11, "minute": 6}
